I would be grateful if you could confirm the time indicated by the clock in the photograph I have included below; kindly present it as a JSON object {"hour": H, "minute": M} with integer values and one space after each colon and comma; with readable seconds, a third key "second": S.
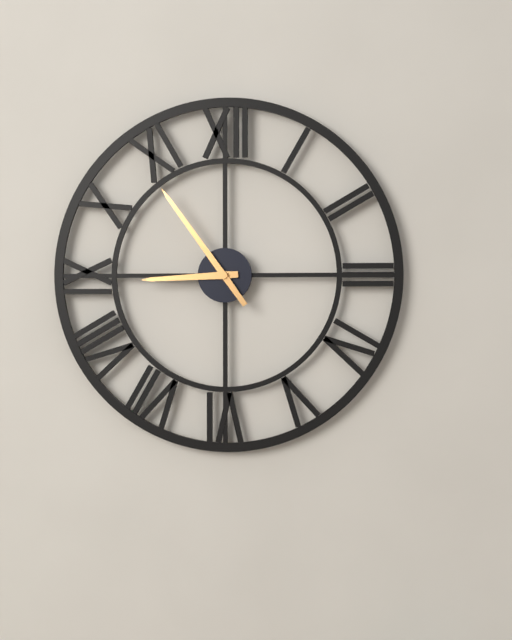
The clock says {"hour": 8, "minute": 54}
